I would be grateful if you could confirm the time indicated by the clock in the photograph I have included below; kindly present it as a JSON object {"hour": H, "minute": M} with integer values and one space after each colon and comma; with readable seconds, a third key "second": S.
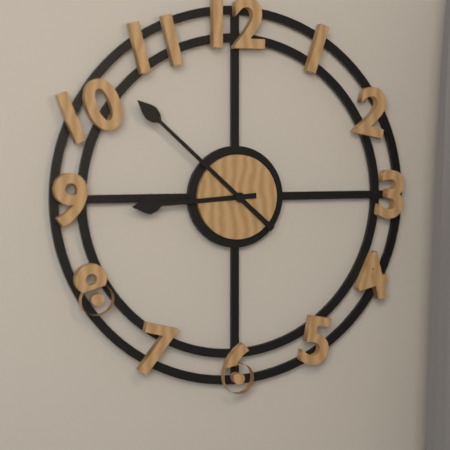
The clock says {"hour": 8, "minute": 52}
